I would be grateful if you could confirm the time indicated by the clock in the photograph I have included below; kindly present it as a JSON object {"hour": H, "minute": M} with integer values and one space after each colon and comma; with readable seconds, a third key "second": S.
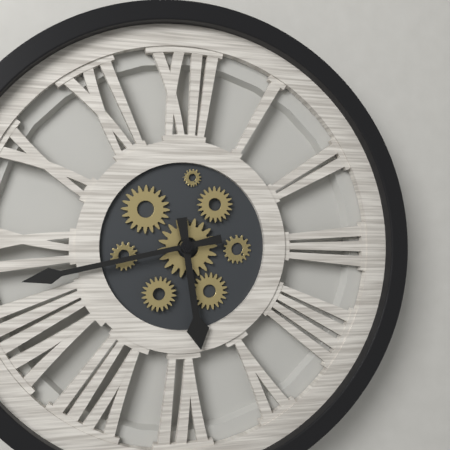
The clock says {"hour": 5, "minute": 43}
